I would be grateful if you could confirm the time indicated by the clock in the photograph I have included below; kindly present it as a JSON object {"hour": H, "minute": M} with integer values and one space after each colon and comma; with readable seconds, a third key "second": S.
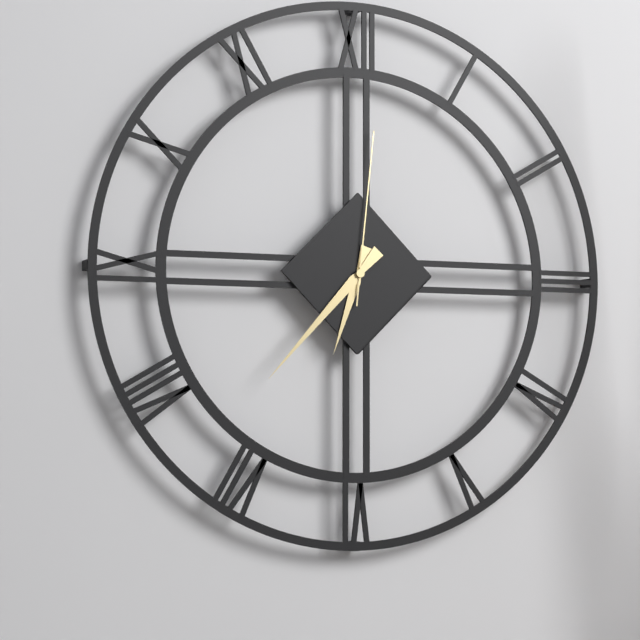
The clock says {"hour": 6, "minute": 37, "second": 1}
